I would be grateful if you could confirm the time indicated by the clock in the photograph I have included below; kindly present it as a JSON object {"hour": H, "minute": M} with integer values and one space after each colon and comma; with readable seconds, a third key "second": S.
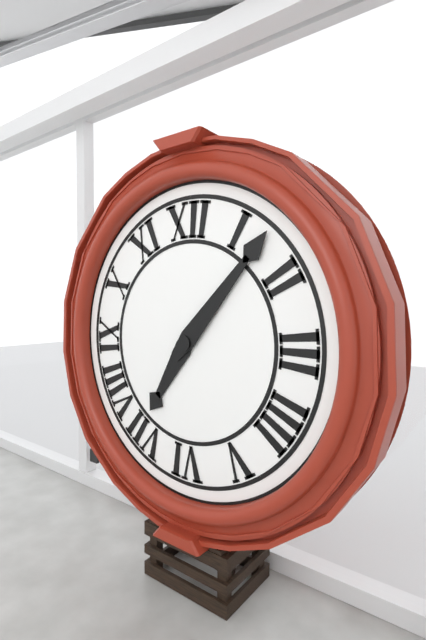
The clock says {"hour": 7, "minute": 7}
